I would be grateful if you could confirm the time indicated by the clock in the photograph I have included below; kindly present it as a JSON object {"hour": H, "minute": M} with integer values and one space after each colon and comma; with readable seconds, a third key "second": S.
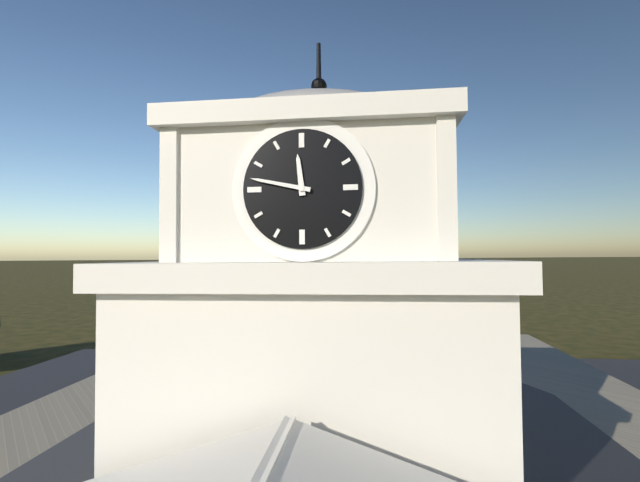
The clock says {"hour": 11, "minute": 47}
